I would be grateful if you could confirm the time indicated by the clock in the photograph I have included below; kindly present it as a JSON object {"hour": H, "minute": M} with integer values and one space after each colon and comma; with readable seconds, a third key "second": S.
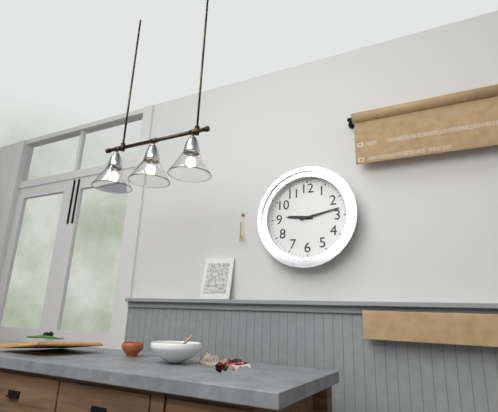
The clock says {"hour": 9, "minute": 13}
